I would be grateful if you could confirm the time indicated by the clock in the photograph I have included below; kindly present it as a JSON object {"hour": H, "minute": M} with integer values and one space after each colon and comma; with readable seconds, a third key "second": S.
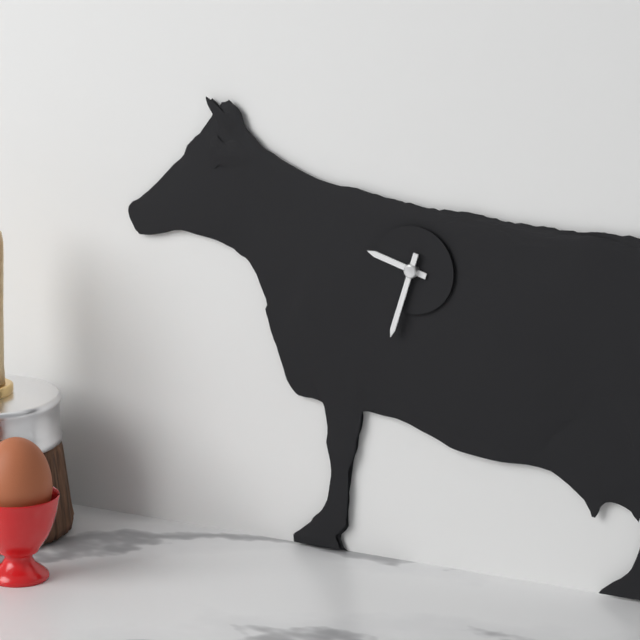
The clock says {"hour": 9, "minute": 33}
